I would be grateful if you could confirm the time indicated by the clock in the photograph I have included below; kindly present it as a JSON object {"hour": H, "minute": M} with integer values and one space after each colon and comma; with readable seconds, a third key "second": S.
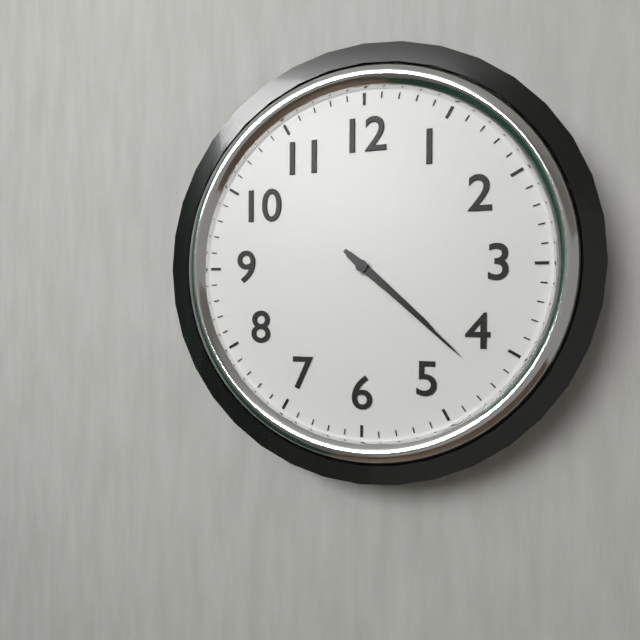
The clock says {"hour": 4, "minute": 22}
